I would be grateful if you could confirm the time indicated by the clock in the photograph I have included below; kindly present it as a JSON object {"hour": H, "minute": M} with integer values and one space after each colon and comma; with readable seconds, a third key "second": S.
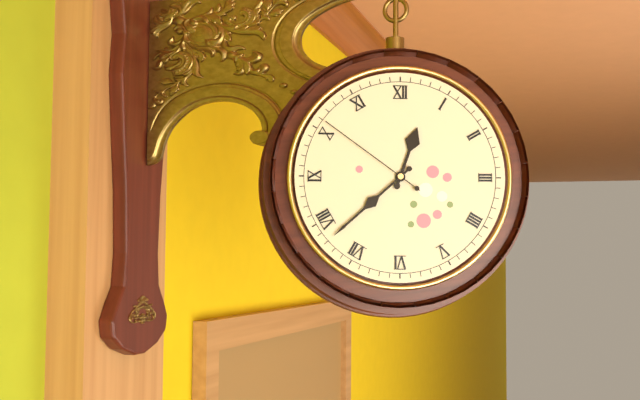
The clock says {"hour": 12, "minute": 38, "second": 51}
